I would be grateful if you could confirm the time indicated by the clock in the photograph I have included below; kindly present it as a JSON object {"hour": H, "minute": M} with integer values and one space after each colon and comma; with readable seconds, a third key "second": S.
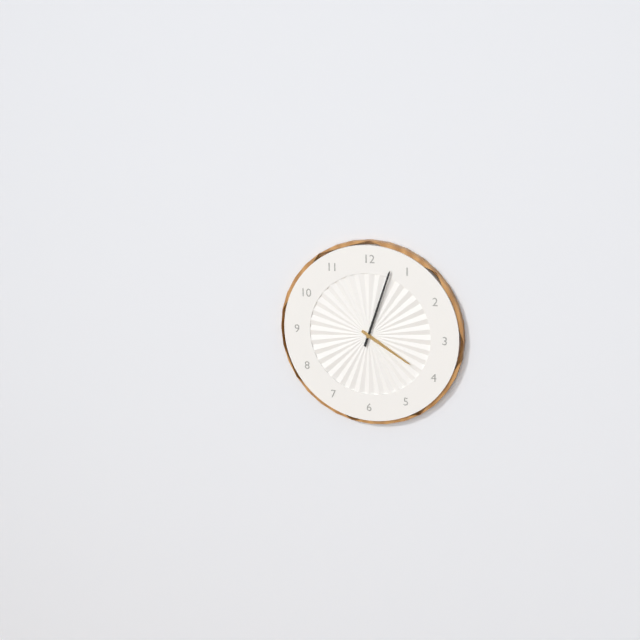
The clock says {"hour": 4, "minute": 3}
